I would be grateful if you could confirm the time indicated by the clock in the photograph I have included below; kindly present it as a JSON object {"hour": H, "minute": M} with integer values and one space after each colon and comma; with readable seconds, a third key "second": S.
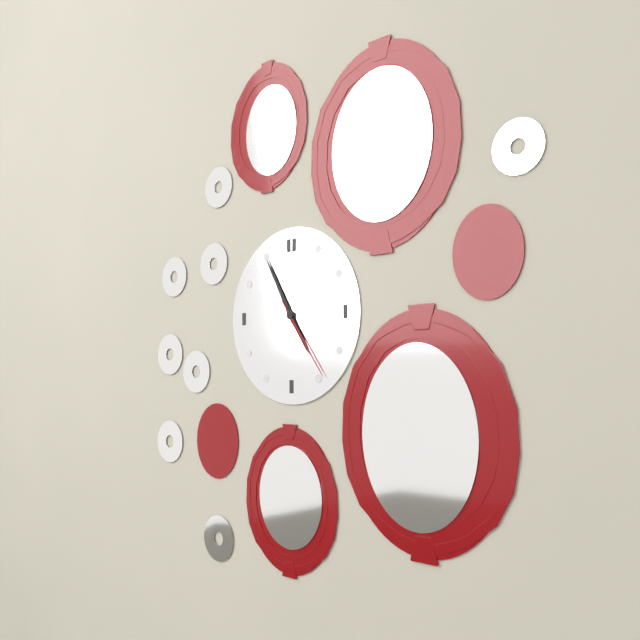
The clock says {"hour": 4, "minute": 55, "second": 24}
